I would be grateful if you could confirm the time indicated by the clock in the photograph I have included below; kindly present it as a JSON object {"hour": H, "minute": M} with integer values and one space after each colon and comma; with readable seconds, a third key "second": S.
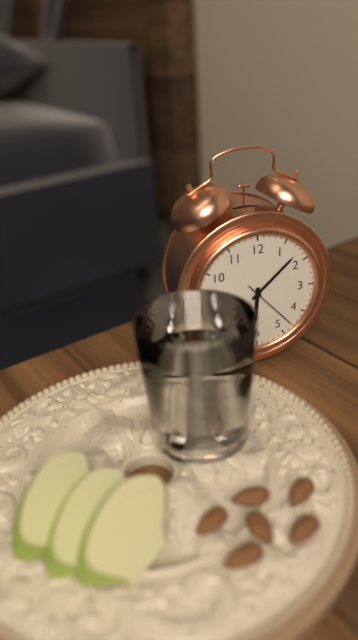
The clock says {"hour": 6, "minute": 8, "second": 23}
